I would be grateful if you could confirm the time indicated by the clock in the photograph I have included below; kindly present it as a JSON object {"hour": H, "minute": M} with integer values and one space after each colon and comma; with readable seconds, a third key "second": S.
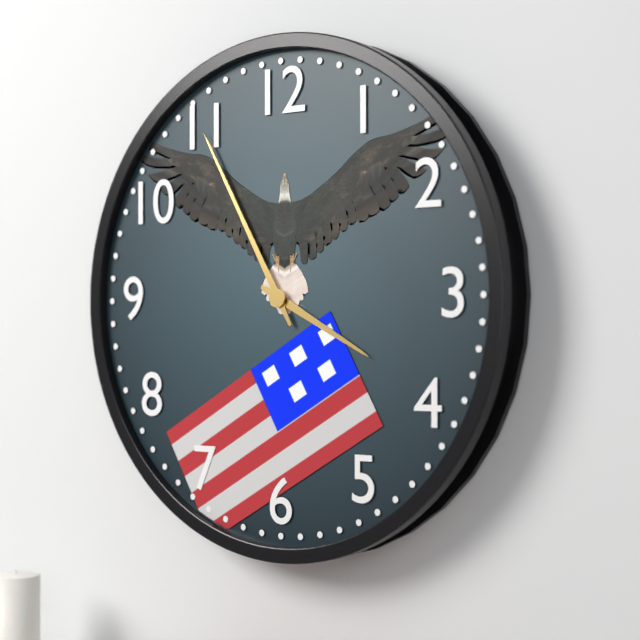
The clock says {"hour": 3, "minute": 55}
